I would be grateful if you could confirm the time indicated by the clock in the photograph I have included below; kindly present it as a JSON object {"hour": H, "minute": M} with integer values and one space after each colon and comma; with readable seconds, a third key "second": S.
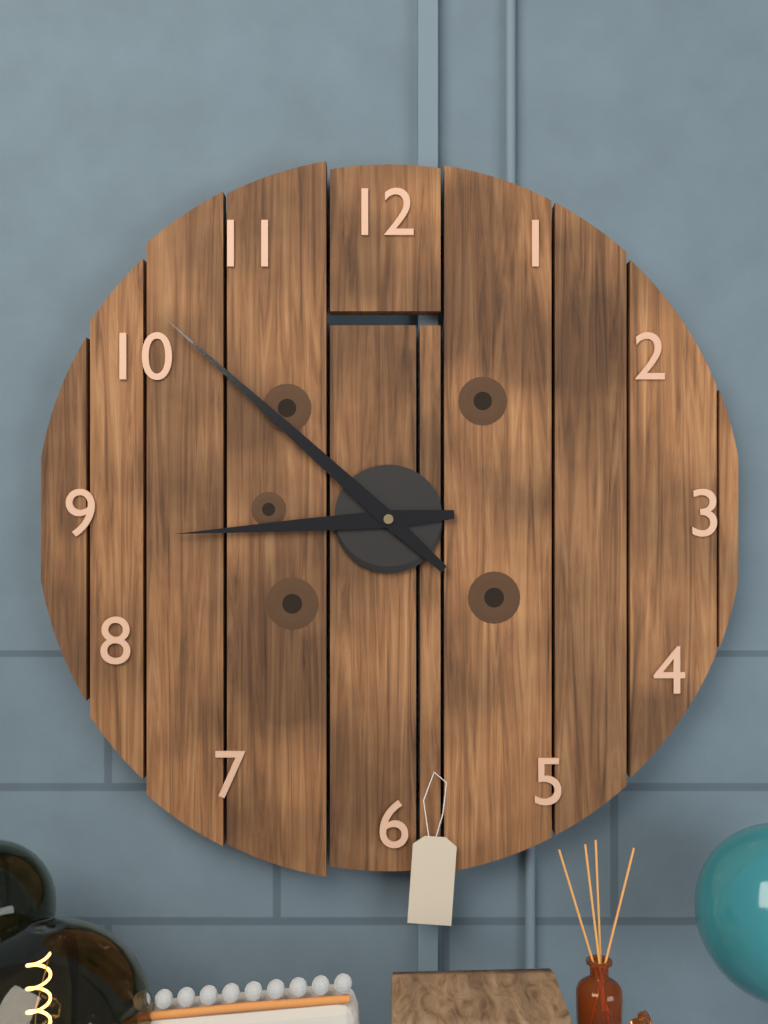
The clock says {"hour": 8, "minute": 52}
